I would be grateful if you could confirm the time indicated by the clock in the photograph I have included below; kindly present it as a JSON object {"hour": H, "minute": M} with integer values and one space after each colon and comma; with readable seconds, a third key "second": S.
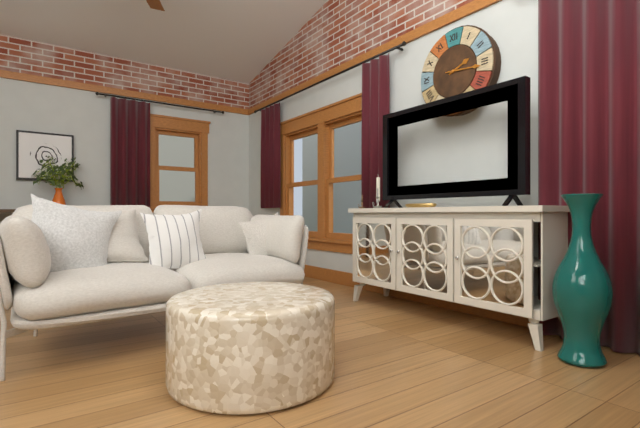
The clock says {"hour": 2, "minute": 16}
